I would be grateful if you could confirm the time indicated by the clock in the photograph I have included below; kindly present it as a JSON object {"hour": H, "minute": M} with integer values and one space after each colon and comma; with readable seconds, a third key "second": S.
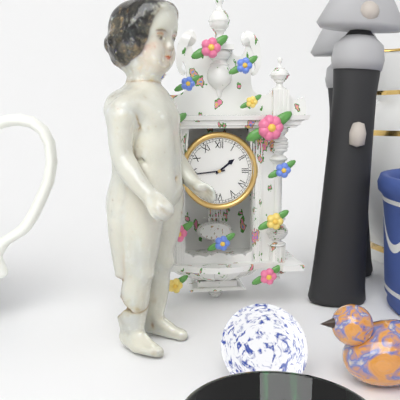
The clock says {"hour": 1, "minute": 44}
